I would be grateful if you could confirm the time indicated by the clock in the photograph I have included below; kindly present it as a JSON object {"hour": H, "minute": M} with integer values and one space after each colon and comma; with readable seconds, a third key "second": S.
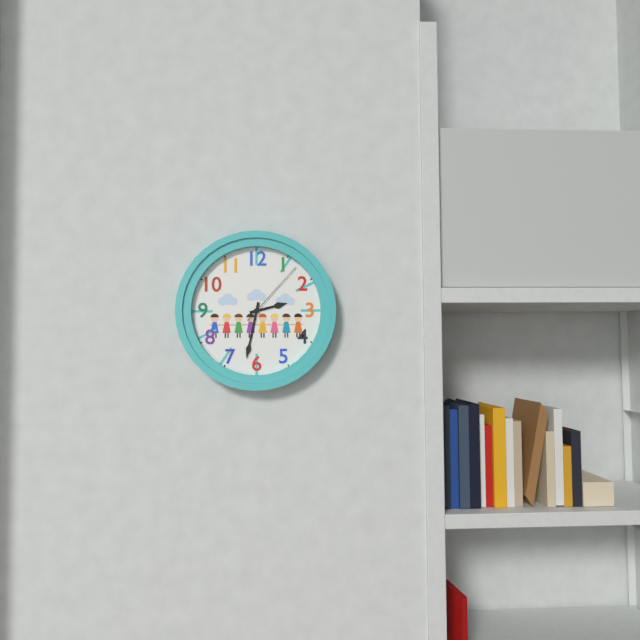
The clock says {"hour": 2, "minute": 32, "second": 7}
